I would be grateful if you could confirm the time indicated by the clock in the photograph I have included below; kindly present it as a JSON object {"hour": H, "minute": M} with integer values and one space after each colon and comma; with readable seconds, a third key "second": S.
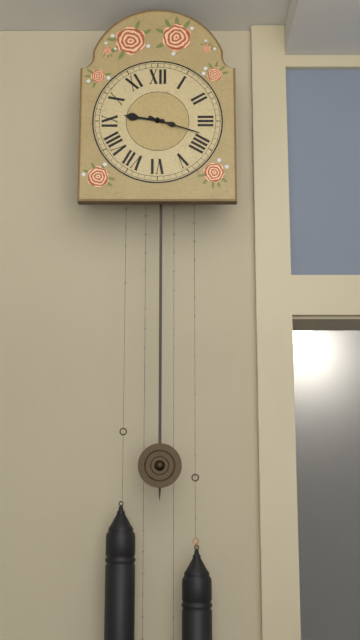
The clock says {"hour": 9, "minute": 18}
